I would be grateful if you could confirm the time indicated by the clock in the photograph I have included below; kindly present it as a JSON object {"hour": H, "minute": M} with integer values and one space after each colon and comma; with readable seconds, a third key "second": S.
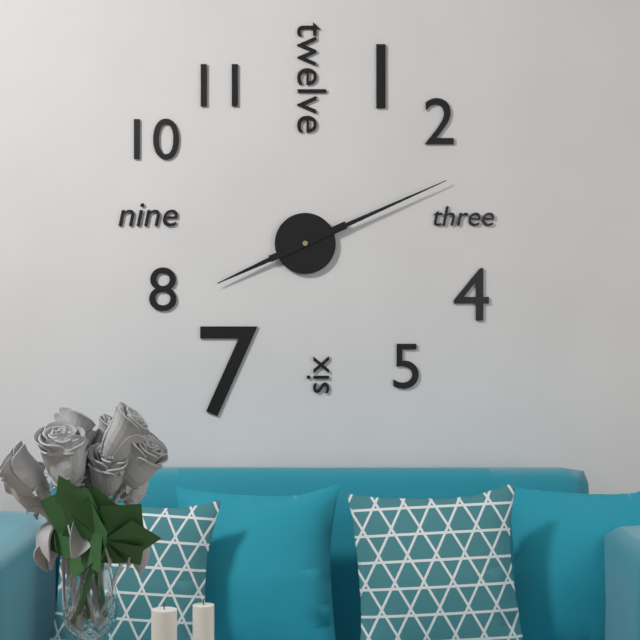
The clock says {"hour": 8, "minute": 11}
